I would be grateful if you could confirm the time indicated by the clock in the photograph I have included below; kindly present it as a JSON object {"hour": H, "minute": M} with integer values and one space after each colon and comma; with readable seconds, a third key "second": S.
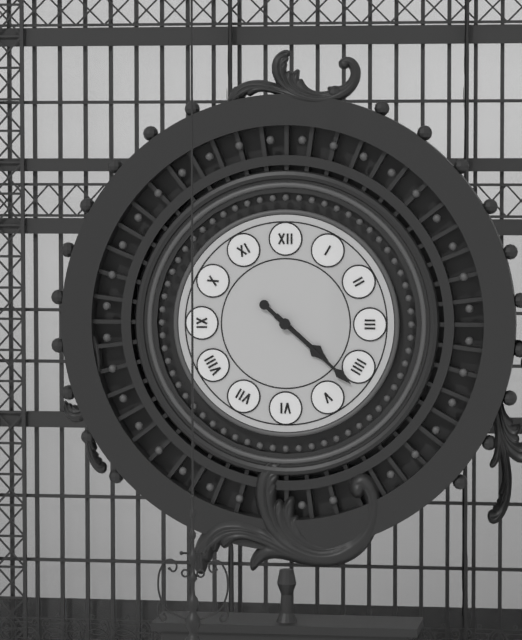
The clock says {"hour": 4, "minute": 22}
